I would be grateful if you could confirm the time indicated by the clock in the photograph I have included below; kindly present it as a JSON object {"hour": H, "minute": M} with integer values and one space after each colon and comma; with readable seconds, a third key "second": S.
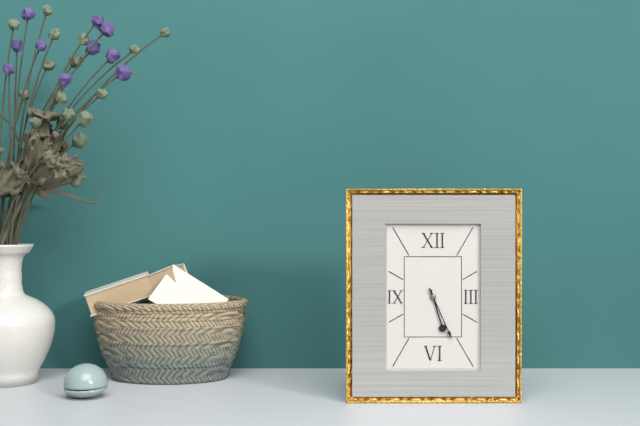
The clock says {"hour": 5, "minute": 26}
